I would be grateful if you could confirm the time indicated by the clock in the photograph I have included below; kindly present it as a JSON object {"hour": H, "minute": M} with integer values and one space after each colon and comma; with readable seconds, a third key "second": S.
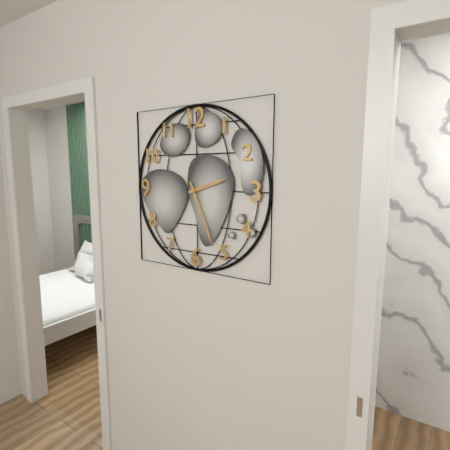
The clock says {"hour": 2, "minute": 26}
